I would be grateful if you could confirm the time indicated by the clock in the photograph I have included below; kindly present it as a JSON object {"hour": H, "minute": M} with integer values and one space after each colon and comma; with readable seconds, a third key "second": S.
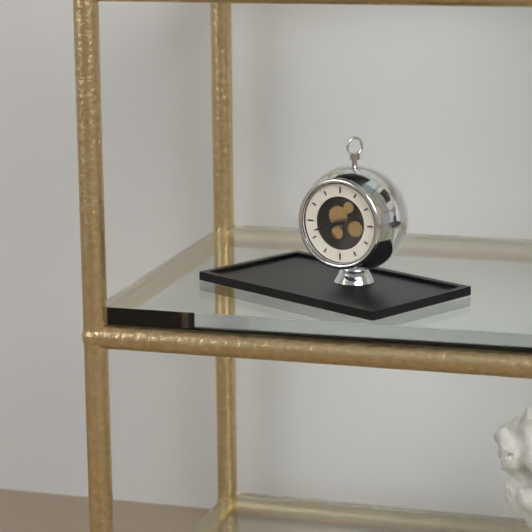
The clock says {"hour": 8, "minute": 42}
